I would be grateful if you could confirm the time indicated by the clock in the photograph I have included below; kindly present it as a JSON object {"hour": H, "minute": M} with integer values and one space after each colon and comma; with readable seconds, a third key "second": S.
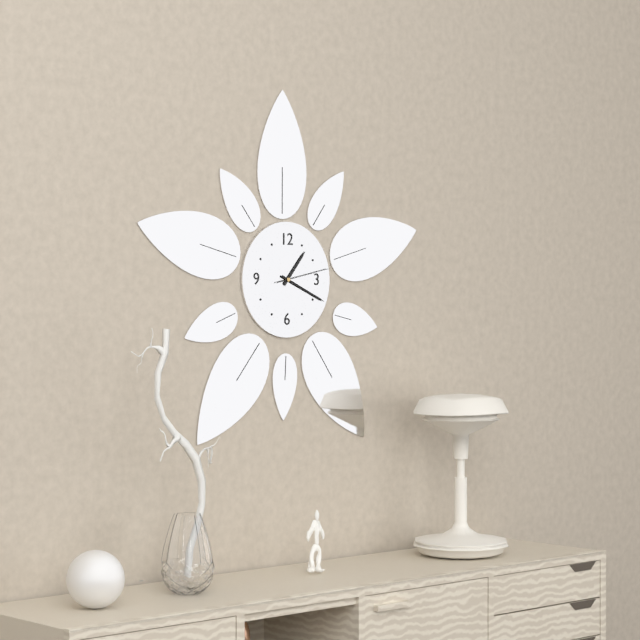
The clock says {"hour": 1, "minute": 19, "second": 13}
